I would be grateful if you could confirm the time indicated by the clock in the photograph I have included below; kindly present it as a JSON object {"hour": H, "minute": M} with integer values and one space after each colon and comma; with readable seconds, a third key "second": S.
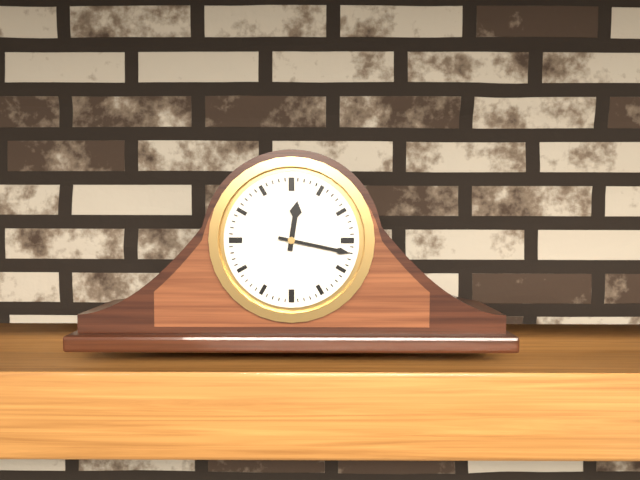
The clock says {"hour": 12, "minute": 17}
